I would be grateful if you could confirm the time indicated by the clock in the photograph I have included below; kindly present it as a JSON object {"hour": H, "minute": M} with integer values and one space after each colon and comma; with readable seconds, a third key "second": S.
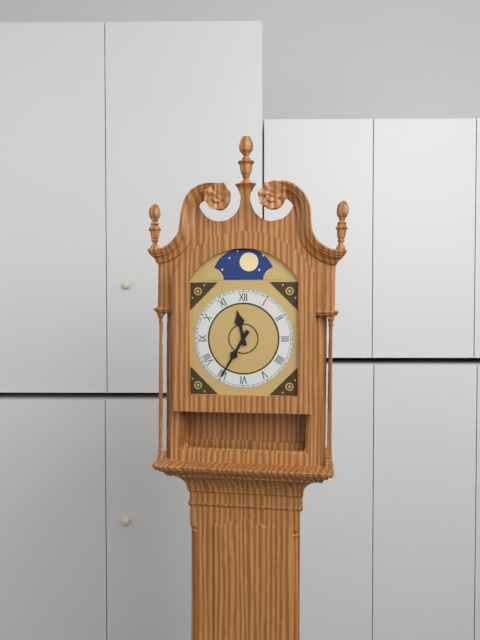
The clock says {"hour": 11, "minute": 35}
